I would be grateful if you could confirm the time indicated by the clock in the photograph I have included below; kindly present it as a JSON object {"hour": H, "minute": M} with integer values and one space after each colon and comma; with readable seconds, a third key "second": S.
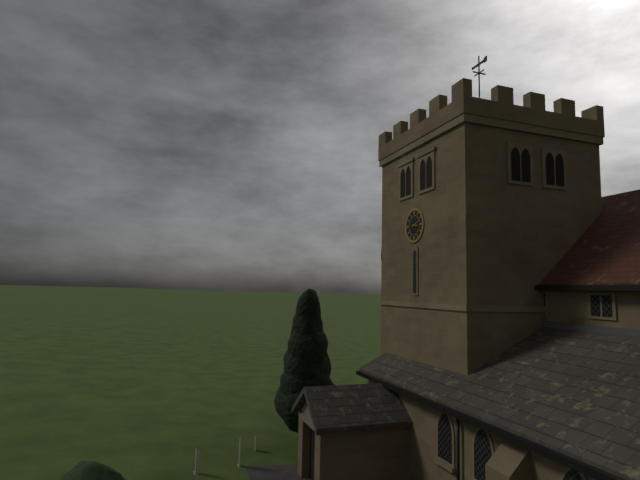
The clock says {"hour": 3, "minute": 12}
